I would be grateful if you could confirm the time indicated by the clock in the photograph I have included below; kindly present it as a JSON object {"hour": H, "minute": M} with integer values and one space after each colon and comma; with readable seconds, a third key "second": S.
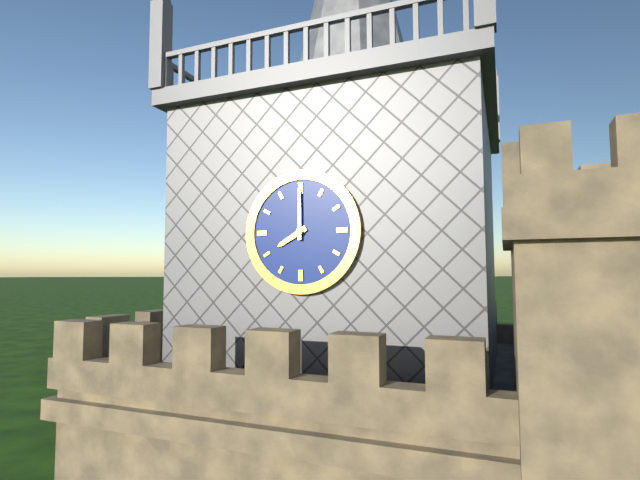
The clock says {"hour": 8, "minute": 0}
